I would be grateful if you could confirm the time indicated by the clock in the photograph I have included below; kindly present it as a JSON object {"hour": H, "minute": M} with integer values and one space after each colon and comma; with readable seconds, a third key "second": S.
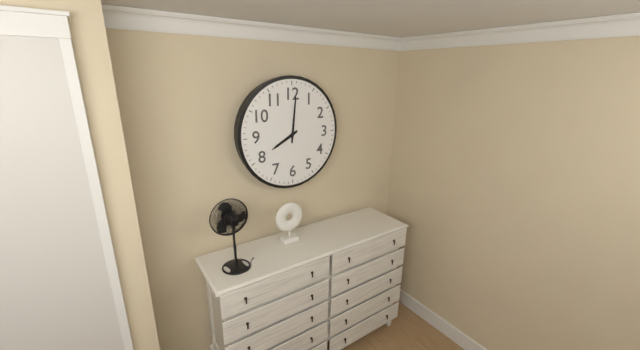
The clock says {"hour": 8, "minute": 1}
